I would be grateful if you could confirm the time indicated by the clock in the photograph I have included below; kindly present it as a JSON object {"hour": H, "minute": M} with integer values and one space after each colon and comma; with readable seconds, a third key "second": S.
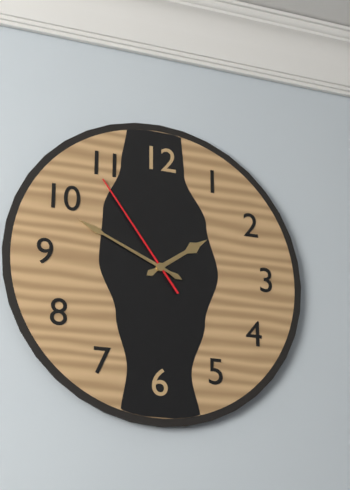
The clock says {"hour": 1, "minute": 49, "second": 54}
